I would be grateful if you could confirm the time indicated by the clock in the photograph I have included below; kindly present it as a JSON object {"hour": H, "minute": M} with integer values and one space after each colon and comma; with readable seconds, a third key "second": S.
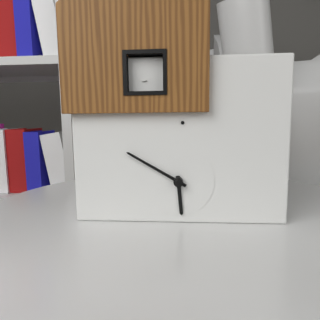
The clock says {"hour": 5, "minute": 50}
